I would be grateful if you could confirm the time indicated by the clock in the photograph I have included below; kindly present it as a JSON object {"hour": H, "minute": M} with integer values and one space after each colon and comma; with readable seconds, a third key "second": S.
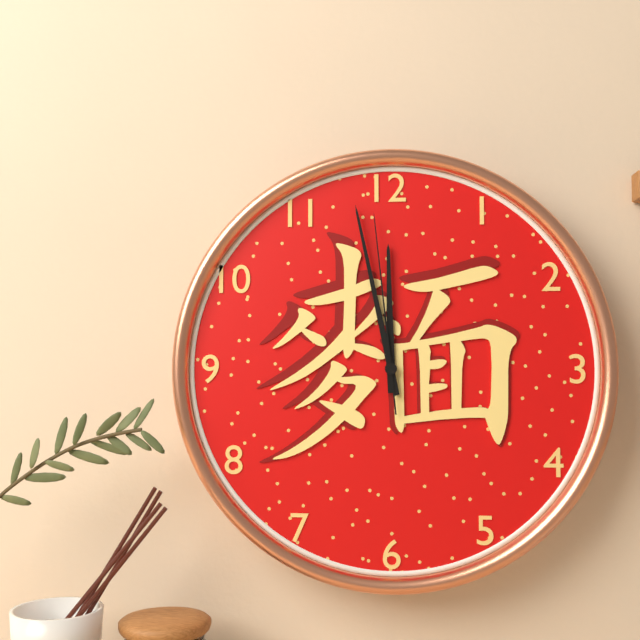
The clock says {"hour": 11, "minute": 58, "second": 59}
